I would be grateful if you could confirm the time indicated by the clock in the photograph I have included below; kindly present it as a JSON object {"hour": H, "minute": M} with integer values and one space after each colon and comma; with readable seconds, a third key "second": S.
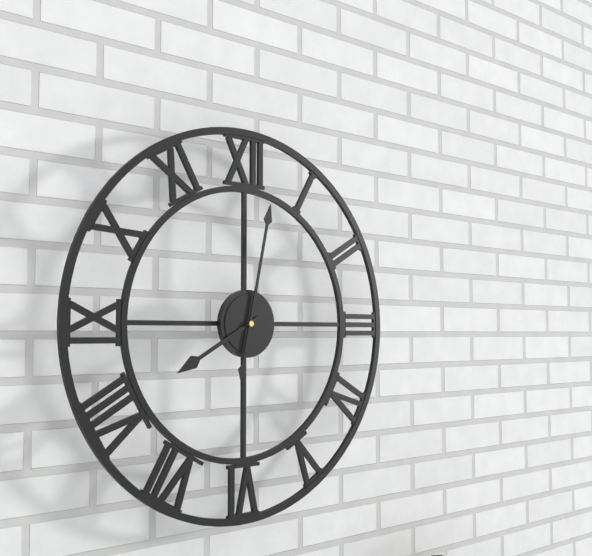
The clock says {"hour": 8, "minute": 2}
